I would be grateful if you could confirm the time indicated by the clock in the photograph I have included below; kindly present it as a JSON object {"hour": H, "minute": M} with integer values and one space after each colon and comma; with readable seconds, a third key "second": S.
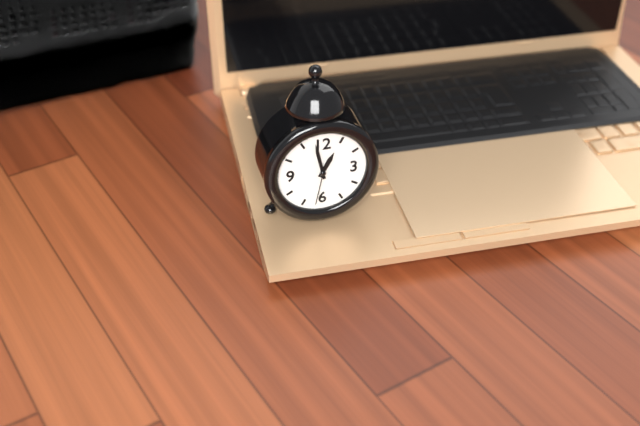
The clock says {"hour": 12, "minute": 58}
